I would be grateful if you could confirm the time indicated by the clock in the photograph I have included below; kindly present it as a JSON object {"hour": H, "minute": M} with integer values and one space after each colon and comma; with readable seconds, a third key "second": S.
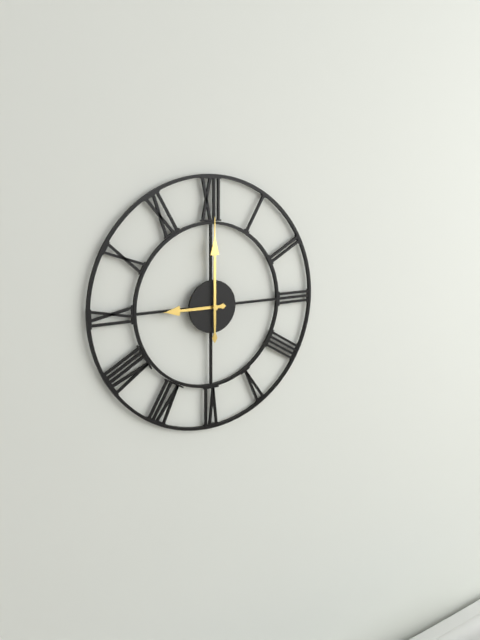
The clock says {"hour": 9, "minute": 0}
